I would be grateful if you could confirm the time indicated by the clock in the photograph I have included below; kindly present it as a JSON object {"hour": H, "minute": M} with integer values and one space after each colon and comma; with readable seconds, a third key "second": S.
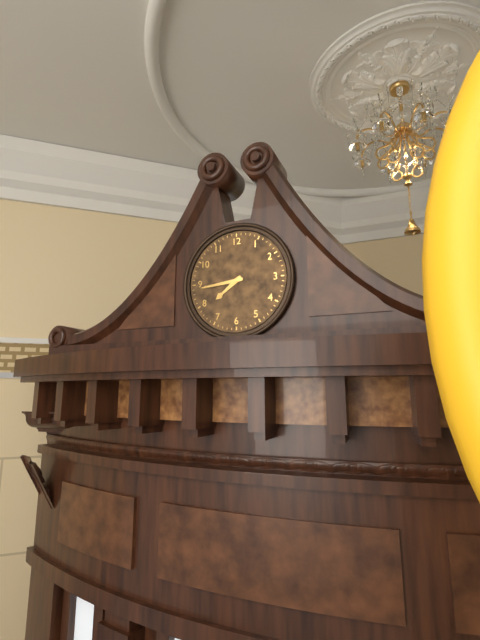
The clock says {"hour": 7, "minute": 44}
